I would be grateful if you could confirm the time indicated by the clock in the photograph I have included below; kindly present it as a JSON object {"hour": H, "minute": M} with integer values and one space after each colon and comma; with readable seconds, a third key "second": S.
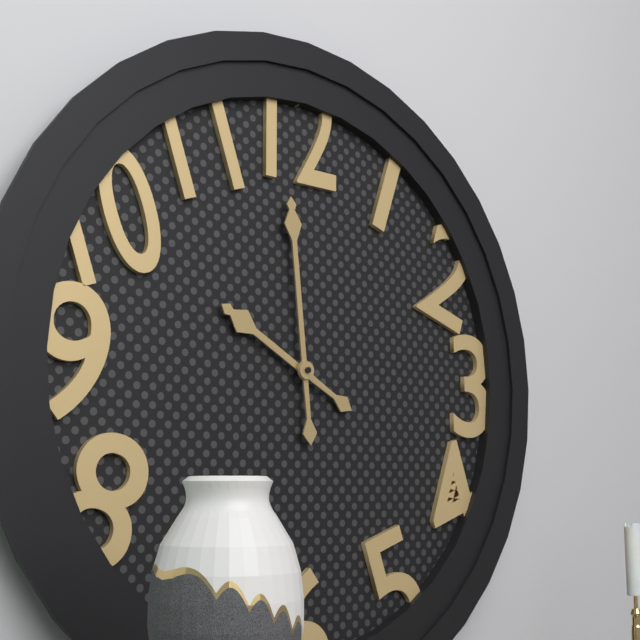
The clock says {"hour": 9, "minute": 59}
